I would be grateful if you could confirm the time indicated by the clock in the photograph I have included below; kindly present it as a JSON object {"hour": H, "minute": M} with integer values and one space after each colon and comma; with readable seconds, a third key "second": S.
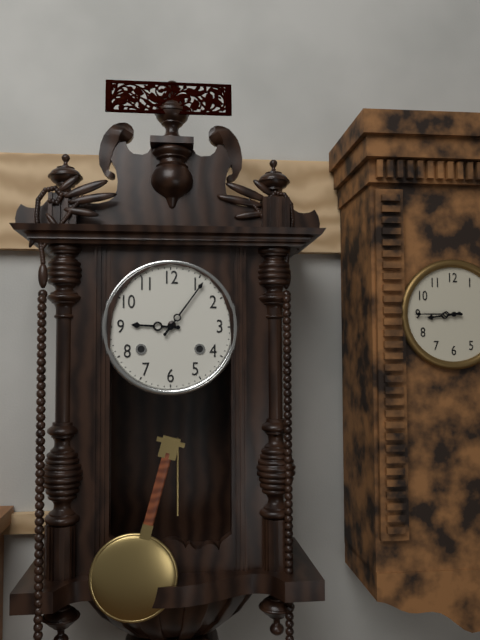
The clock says {"hour": 9, "minute": 6}
